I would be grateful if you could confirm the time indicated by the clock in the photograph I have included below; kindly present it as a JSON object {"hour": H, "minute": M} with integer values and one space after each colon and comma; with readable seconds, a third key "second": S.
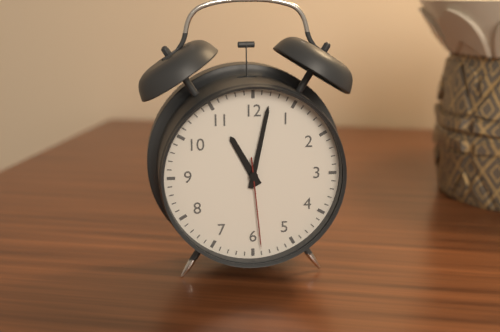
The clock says {"hour": 11, "minute": 2, "second": 29}
